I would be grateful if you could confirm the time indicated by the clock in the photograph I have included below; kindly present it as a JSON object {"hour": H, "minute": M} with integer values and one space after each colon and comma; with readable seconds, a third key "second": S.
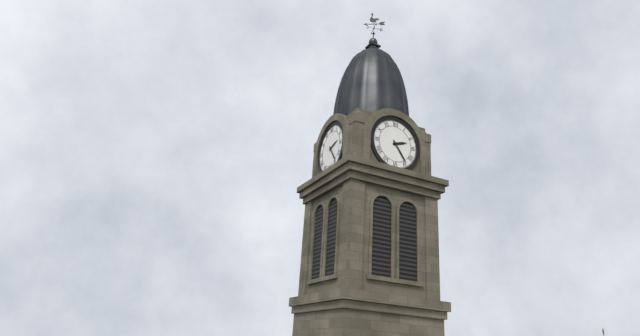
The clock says {"hour": 2, "minute": 24}
